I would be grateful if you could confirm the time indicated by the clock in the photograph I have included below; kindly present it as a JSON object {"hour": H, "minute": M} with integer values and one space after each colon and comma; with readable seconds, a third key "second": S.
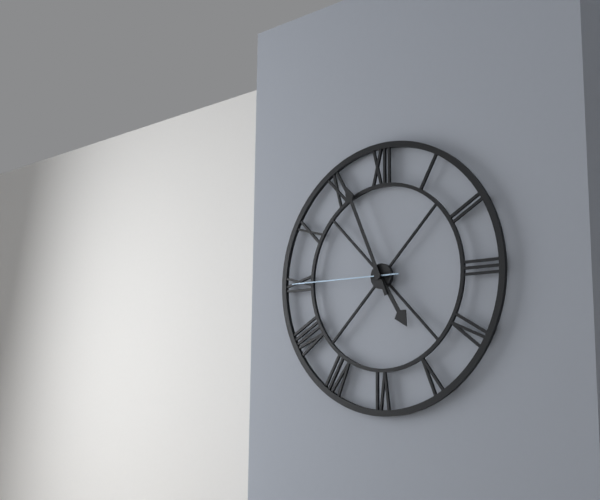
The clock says {"hour": 4, "minute": 56, "second": 45}
